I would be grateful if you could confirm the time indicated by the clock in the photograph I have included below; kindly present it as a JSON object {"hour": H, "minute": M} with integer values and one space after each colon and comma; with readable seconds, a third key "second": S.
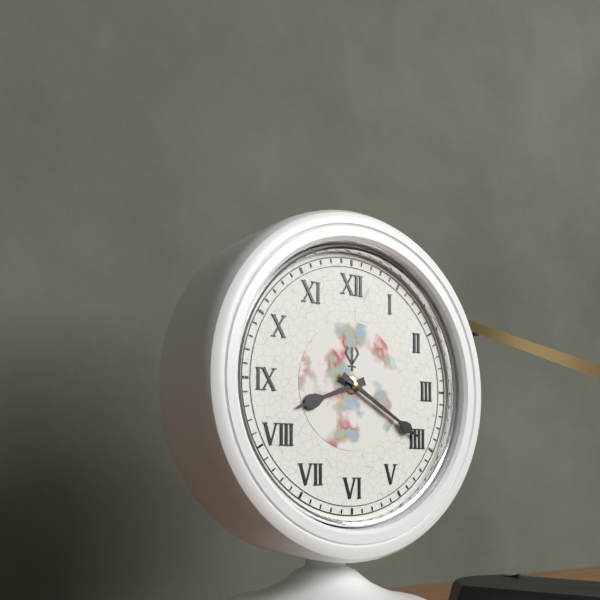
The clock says {"hour": 8, "minute": 20}
